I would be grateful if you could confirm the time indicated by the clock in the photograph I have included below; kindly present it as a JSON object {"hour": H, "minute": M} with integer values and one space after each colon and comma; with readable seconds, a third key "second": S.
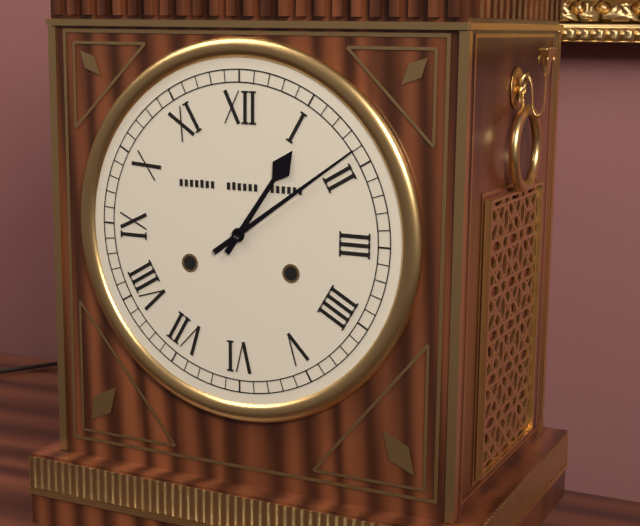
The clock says {"hour": 1, "minute": 9}
